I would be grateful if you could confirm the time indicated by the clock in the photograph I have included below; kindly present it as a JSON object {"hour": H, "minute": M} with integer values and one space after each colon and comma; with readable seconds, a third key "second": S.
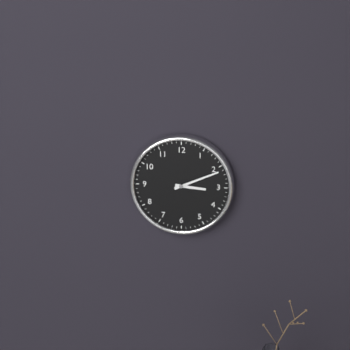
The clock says {"hour": 3, "minute": 11}
